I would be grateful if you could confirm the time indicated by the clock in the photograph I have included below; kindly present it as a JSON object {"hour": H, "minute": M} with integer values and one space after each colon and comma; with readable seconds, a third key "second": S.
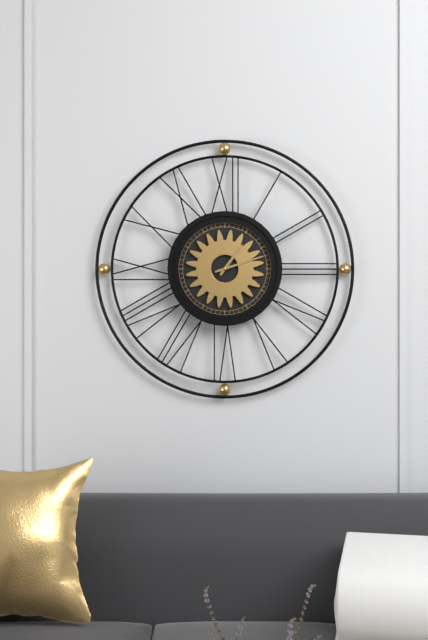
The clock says {"hour": 1, "minute": 12}
